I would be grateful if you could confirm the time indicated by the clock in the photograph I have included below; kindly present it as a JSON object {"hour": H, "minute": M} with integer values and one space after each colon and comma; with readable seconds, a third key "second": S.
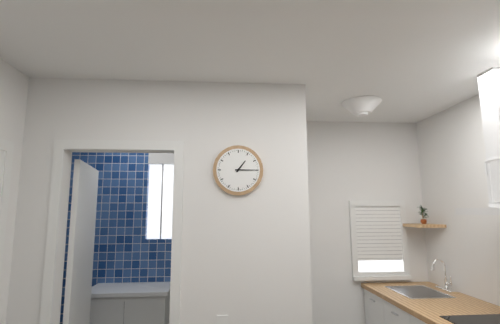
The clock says {"hour": 1, "minute": 15}
